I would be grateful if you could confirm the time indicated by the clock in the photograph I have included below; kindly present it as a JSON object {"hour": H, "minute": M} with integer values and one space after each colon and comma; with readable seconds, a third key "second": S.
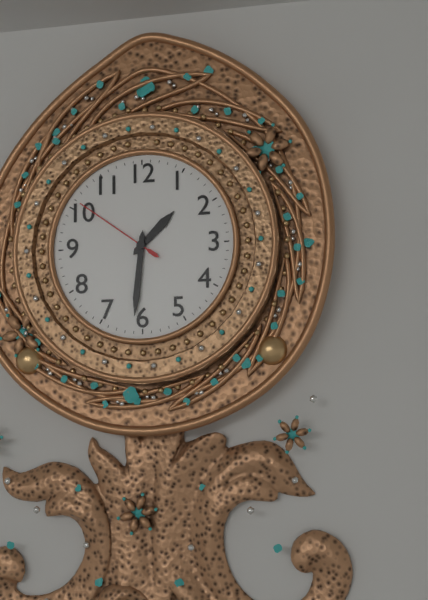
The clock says {"hour": 1, "minute": 31, "second": 51}
